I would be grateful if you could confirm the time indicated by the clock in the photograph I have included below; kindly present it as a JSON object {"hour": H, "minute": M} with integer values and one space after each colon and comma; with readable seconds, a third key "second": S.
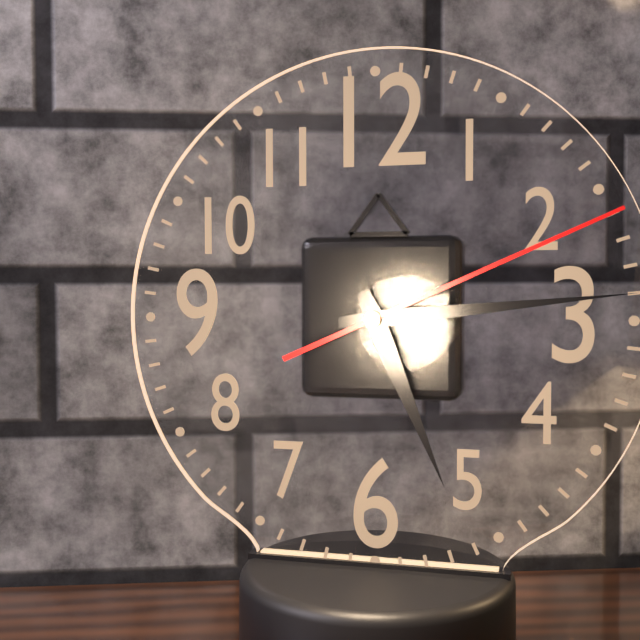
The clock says {"hour": 5, "minute": 14, "second": 11}
